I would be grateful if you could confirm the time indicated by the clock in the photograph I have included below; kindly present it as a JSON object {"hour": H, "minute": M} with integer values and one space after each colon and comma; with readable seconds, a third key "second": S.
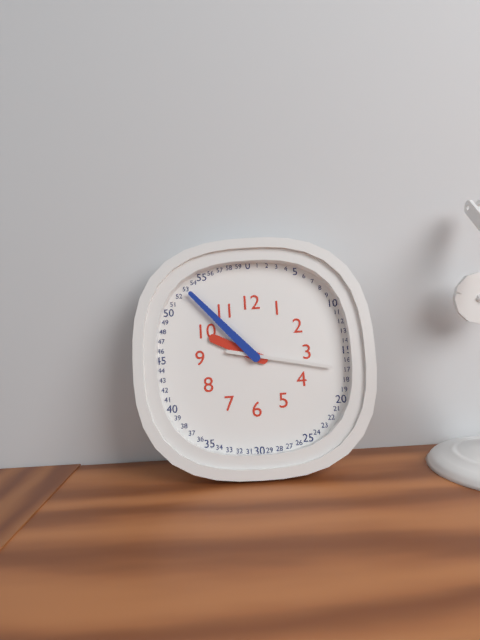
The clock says {"hour": 9, "minute": 53, "second": 17}
